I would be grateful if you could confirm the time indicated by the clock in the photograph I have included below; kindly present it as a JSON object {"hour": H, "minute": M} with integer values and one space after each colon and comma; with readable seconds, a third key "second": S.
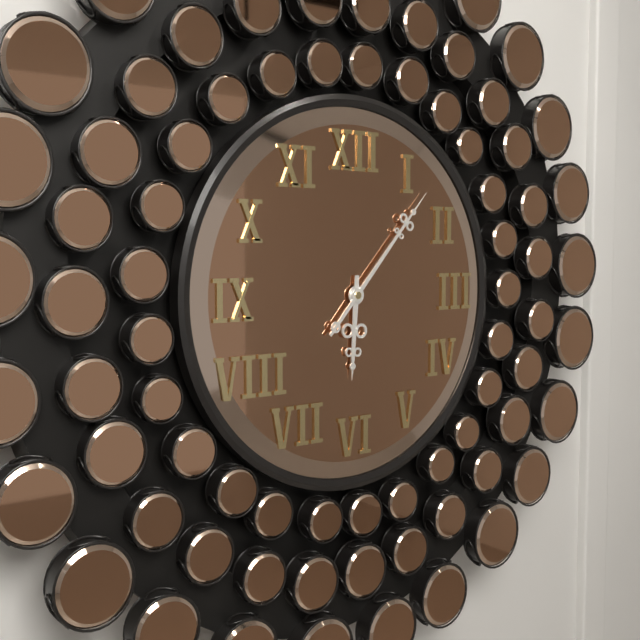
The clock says {"hour": 6, "minute": 7}
